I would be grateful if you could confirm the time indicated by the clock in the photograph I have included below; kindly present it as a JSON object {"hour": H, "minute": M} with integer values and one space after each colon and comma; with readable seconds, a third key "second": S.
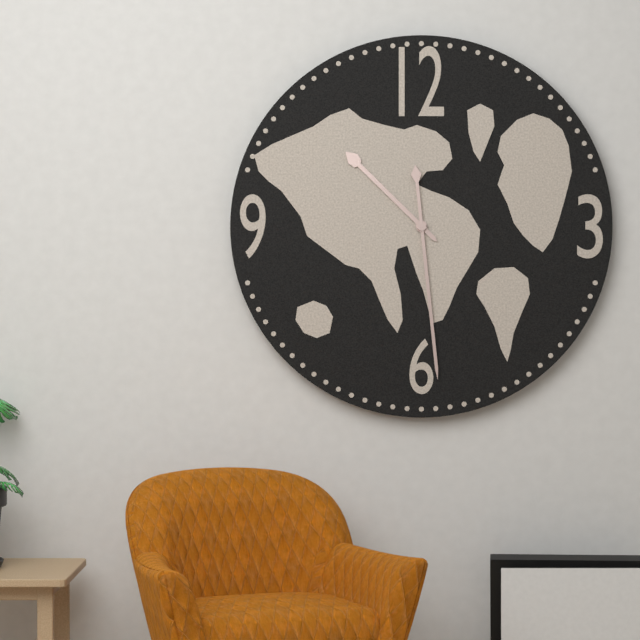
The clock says {"hour": 10, "minute": 29}
